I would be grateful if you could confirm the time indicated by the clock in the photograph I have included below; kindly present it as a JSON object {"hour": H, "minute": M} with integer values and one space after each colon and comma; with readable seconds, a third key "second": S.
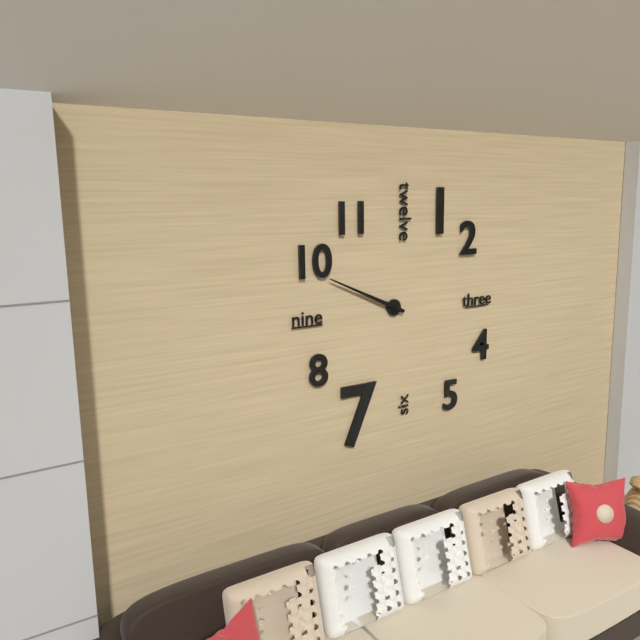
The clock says {"hour": 9, "minute": 49}
